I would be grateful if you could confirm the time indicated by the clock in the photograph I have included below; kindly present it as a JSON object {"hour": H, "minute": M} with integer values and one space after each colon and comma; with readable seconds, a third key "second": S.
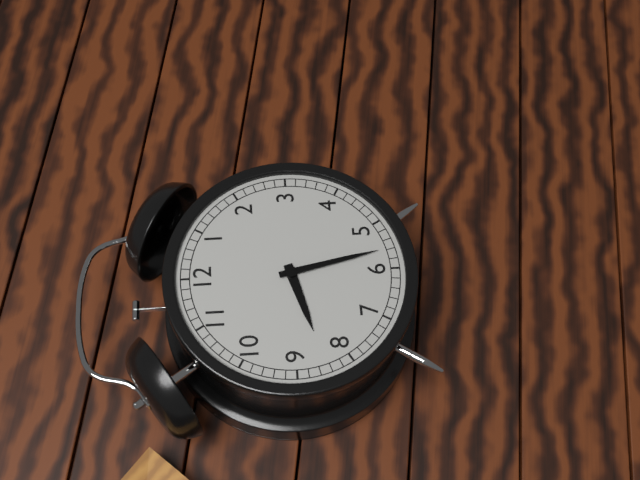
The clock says {"hour": 8, "minute": 28}
